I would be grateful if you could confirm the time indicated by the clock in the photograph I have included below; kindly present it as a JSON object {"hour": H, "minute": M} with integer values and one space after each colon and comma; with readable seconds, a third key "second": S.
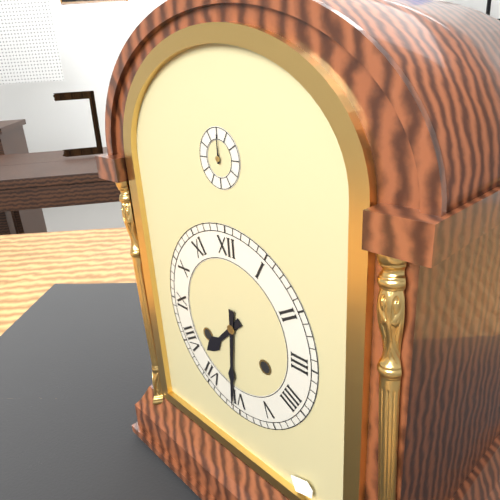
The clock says {"hour": 7, "minute": 31}
